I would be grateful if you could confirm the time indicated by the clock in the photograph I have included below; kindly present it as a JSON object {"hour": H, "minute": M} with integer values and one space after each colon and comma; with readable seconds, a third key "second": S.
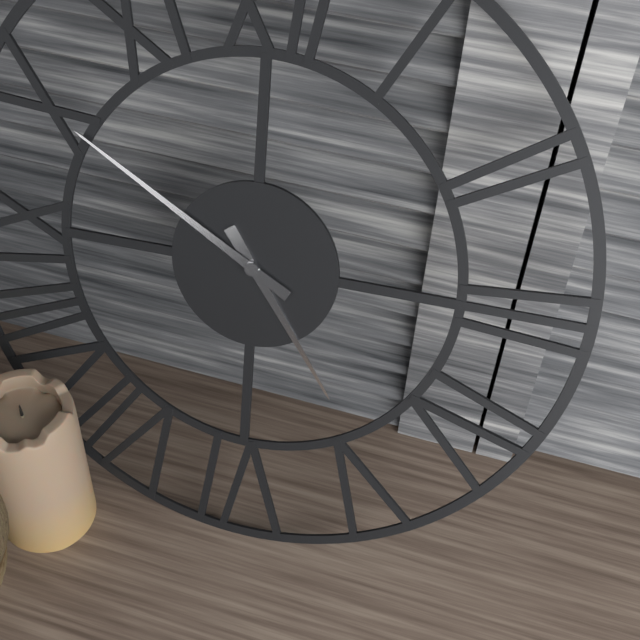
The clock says {"hour": 4, "minute": 50}
